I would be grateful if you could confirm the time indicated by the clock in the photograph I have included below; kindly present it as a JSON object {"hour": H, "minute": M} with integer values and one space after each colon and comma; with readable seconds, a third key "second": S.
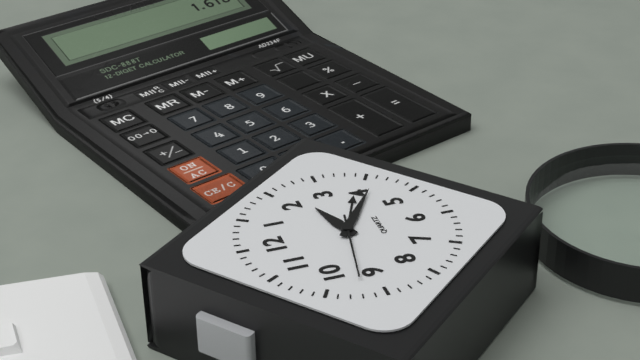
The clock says {"hour": 2, "minute": 21, "second": 47}
